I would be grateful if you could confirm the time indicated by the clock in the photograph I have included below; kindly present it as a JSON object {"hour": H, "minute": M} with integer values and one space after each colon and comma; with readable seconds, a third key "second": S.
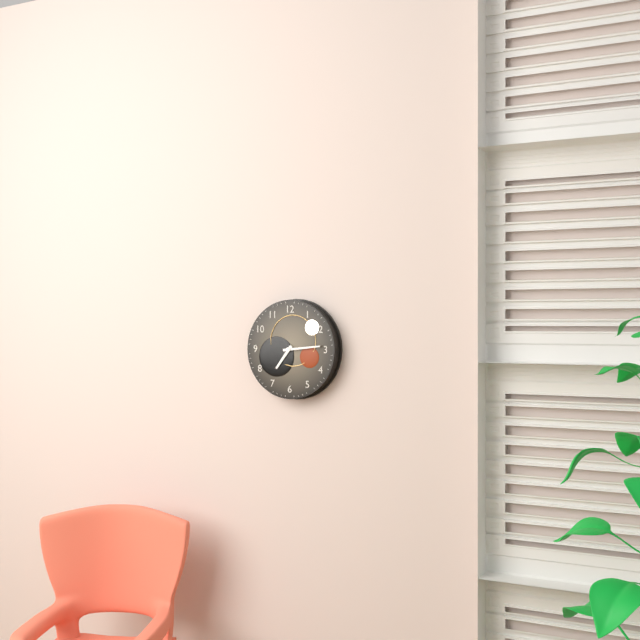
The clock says {"hour": 7, "minute": 14}
